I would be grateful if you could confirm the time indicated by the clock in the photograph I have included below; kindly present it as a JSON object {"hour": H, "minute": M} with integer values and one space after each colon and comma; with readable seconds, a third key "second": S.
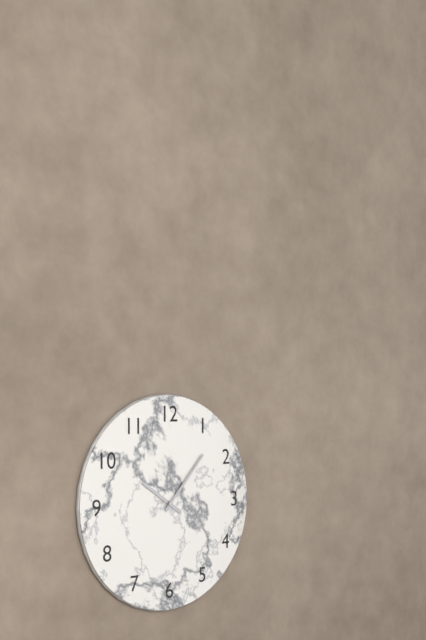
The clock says {"hour": 10, "minute": 7}
